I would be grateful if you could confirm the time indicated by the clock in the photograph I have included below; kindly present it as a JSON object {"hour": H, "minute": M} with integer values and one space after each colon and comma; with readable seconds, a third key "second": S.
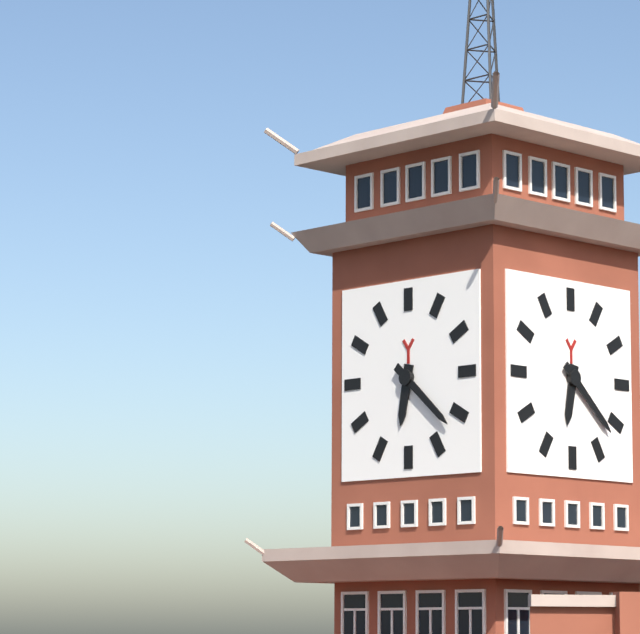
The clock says {"hour": 6, "minute": 22}
